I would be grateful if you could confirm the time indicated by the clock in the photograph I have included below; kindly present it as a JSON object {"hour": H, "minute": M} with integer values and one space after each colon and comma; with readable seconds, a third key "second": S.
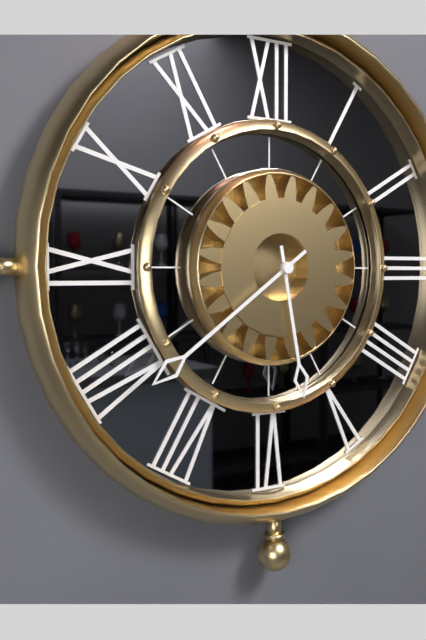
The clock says {"hour": 5, "minute": 39}
